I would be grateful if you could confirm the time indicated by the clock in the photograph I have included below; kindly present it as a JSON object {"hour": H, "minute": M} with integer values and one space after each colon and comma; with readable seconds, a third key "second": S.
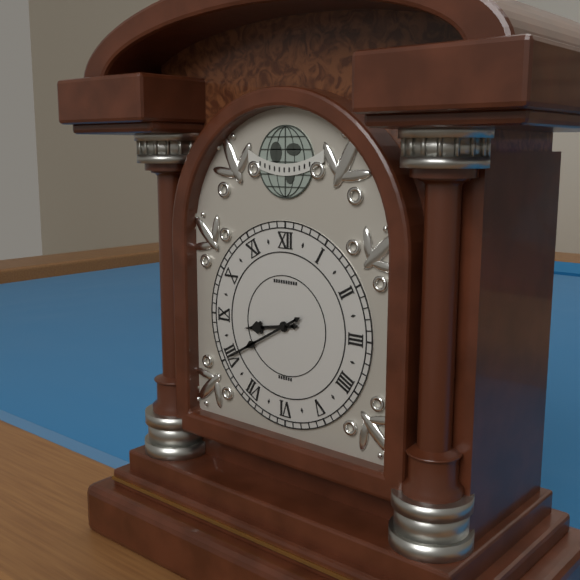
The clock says {"hour": 8, "minute": 40}
